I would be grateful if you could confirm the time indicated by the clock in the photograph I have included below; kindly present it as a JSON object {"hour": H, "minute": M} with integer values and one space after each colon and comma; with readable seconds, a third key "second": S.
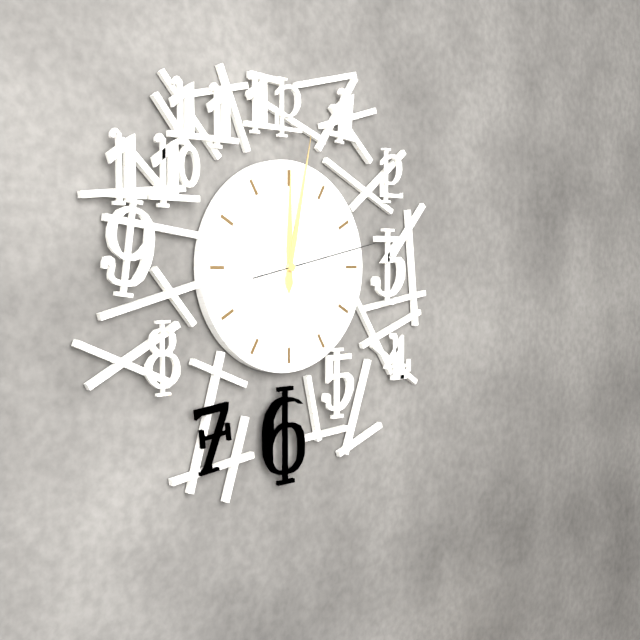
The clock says {"hour": 12, "minute": 2, "second": 13}
